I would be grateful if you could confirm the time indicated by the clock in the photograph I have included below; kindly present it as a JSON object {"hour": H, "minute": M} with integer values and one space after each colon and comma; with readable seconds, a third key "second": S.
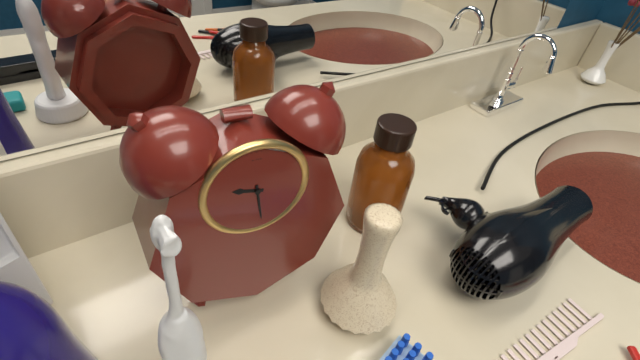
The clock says {"hour": 9, "minute": 29}
